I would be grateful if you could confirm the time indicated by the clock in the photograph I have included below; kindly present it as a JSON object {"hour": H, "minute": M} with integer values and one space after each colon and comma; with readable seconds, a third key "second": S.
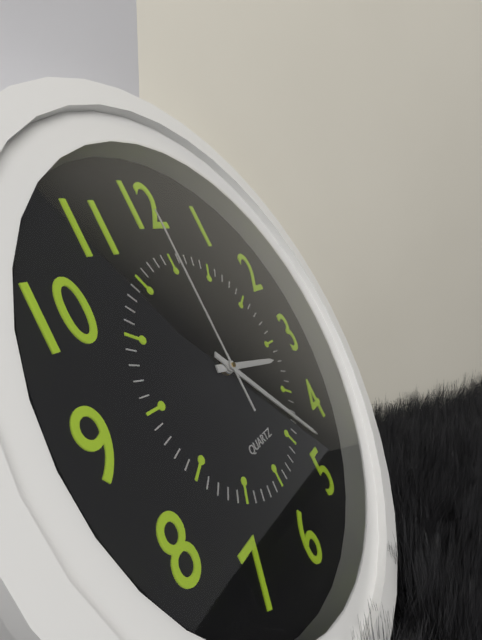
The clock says {"hour": 3, "minute": 23, "second": 0}
